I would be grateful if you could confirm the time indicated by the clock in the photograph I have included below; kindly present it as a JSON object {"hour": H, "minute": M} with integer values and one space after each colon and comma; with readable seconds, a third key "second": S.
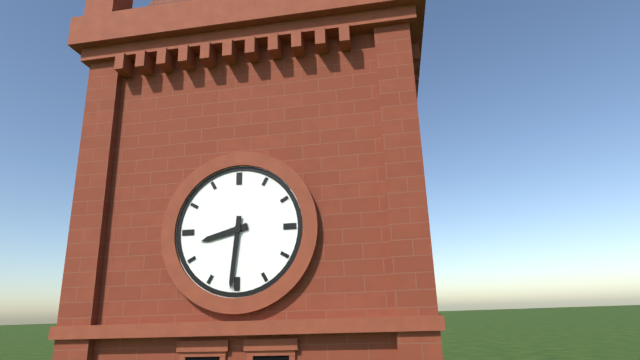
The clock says {"hour": 8, "minute": 31}
